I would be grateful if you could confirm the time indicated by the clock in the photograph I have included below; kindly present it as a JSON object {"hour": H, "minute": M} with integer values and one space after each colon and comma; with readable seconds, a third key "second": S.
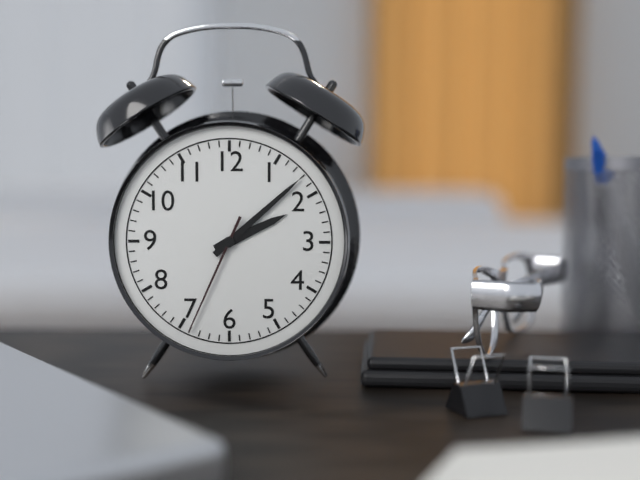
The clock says {"hour": 2, "minute": 8, "second": 34}
